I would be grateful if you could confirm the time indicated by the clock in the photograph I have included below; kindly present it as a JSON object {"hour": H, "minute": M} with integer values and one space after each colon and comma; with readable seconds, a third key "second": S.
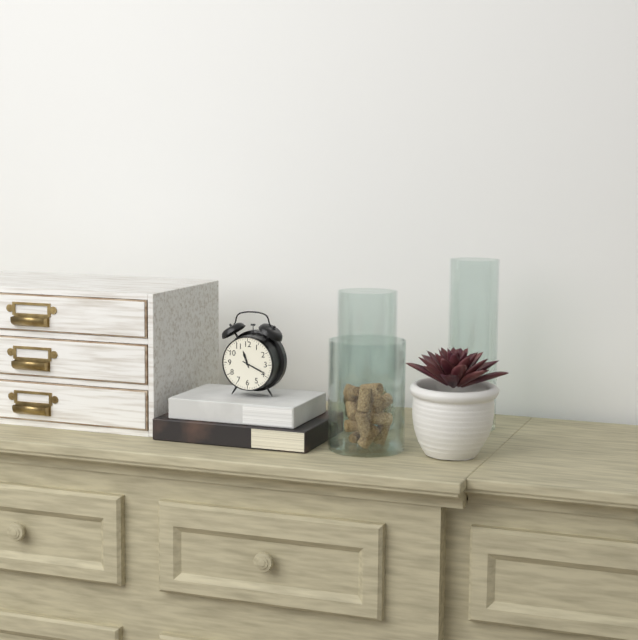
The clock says {"hour": 11, "minute": 19}
